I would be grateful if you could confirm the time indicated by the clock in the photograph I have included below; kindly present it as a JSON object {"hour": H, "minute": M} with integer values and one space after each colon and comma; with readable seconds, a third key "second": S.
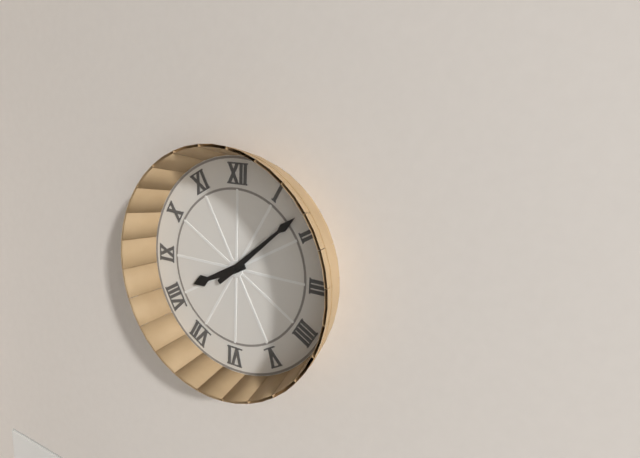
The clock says {"hour": 8, "minute": 8}
